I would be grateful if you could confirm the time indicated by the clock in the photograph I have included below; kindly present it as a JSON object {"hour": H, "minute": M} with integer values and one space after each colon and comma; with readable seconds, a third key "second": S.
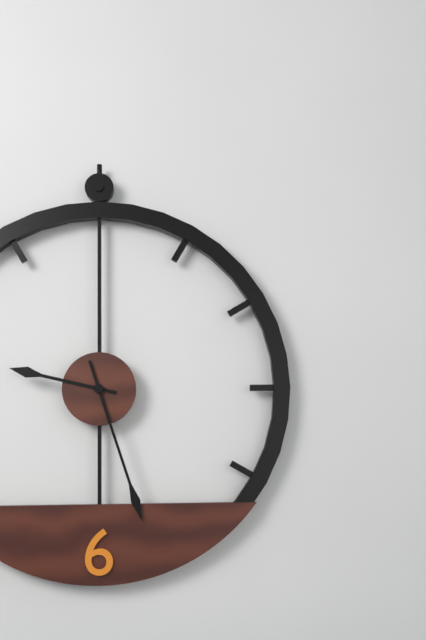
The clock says {"hour": 9, "minute": 27}
